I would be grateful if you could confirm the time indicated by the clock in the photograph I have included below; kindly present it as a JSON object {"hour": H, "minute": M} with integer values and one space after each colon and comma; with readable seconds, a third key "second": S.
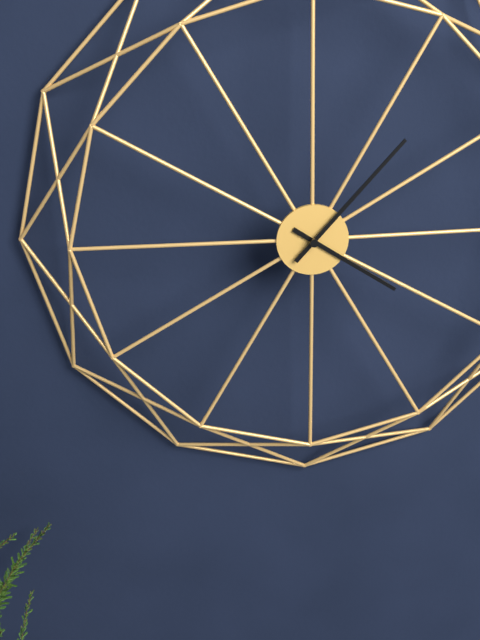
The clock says {"hour": 4, "minute": 7}
